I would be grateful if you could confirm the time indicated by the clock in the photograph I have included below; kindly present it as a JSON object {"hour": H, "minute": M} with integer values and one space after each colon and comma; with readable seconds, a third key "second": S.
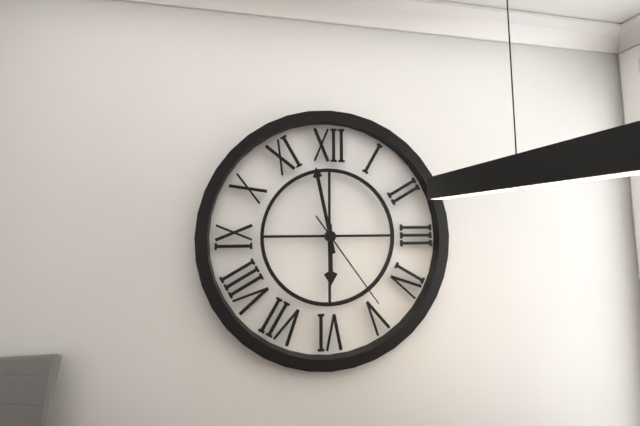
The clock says {"hour": 5, "minute": 58, "second": 24}
